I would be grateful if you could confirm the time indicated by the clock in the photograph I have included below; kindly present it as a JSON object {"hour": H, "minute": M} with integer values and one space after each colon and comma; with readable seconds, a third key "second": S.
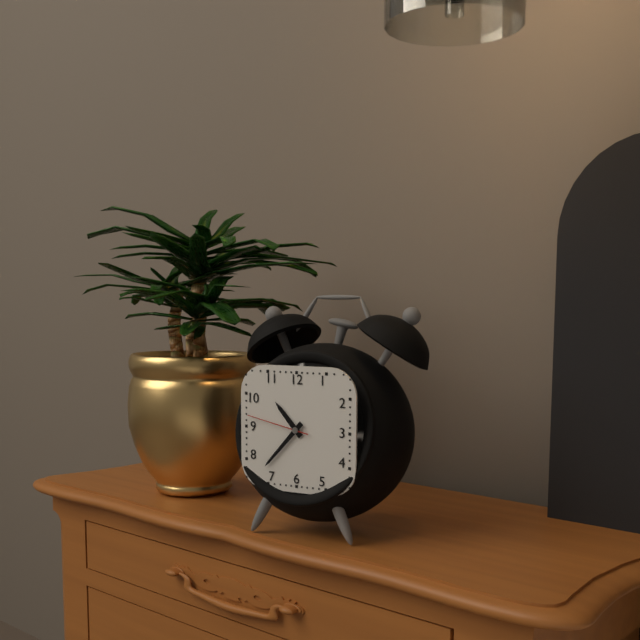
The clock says {"hour": 10, "minute": 37, "second": 47}
